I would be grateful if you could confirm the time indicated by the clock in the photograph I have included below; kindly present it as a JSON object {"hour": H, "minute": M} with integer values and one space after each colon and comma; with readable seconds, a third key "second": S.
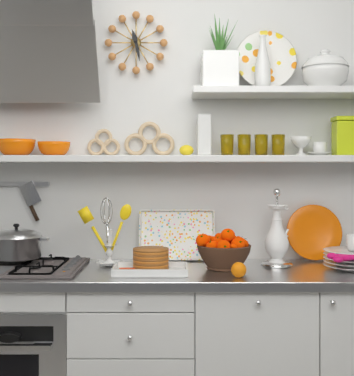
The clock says {"hour": 11, "minute": 28}
